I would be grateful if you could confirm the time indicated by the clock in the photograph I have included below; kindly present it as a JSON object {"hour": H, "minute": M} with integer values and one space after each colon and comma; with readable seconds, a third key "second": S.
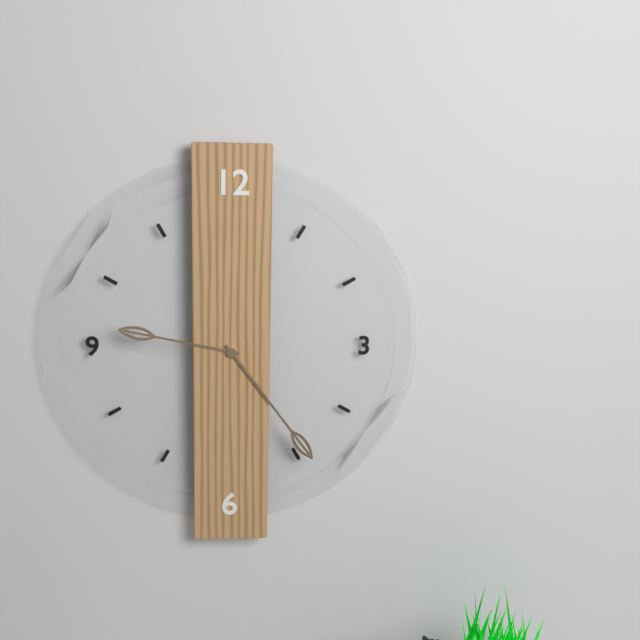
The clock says {"hour": 9, "minute": 24}
